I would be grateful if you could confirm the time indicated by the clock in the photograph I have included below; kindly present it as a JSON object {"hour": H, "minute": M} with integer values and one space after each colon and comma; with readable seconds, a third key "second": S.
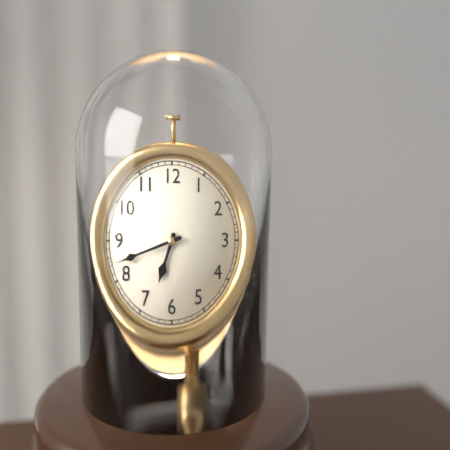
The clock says {"hour": 6, "minute": 42}
